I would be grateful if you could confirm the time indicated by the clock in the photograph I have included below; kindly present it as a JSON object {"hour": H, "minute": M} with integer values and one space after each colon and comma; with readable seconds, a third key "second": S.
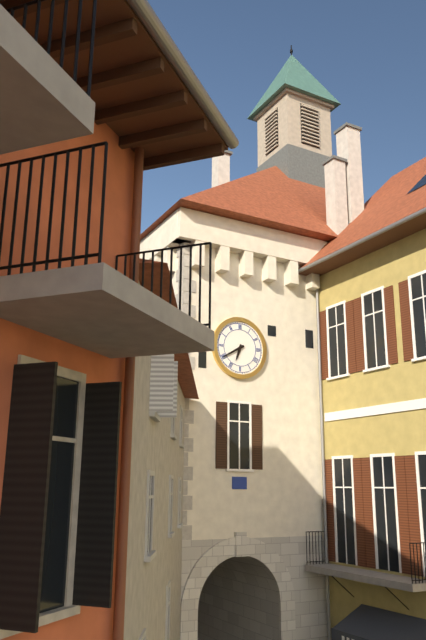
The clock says {"hour": 6, "minute": 40}
